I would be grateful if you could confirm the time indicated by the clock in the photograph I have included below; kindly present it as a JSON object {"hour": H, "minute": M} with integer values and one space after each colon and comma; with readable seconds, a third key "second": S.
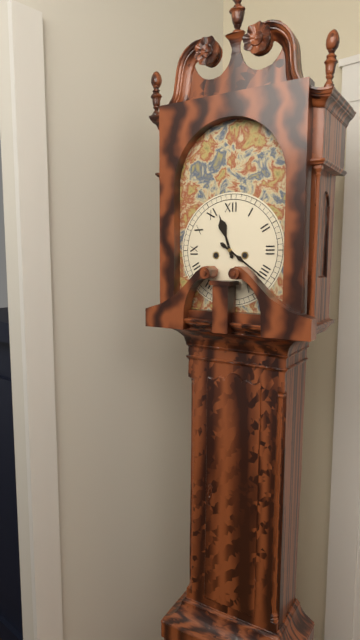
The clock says {"hour": 11, "minute": 21}
